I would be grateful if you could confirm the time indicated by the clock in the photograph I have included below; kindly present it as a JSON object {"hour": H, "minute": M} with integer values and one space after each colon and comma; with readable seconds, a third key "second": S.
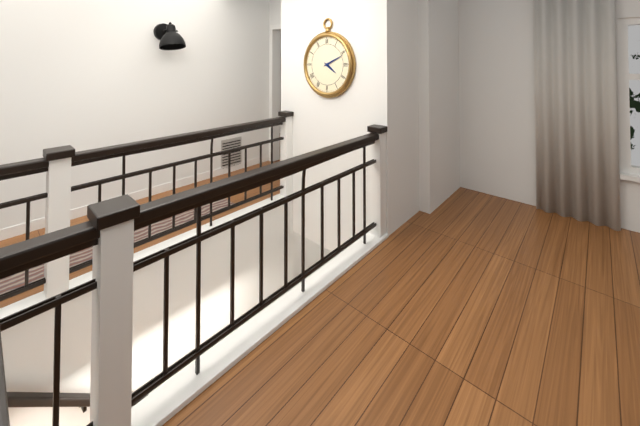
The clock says {"hour": 4, "minute": 11}
